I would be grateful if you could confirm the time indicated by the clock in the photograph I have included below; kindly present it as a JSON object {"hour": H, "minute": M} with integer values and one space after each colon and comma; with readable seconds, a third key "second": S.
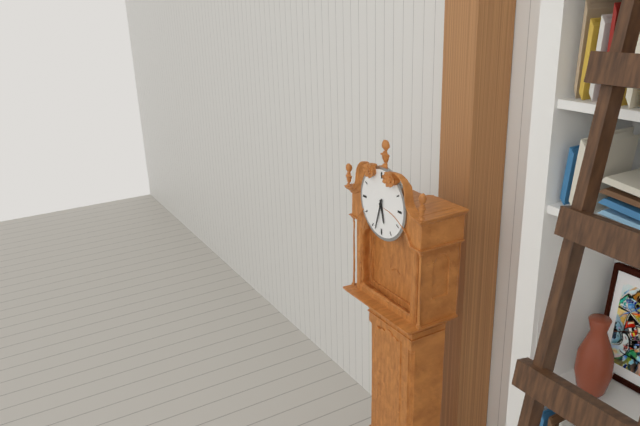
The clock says {"hour": 5, "minute": 33}
